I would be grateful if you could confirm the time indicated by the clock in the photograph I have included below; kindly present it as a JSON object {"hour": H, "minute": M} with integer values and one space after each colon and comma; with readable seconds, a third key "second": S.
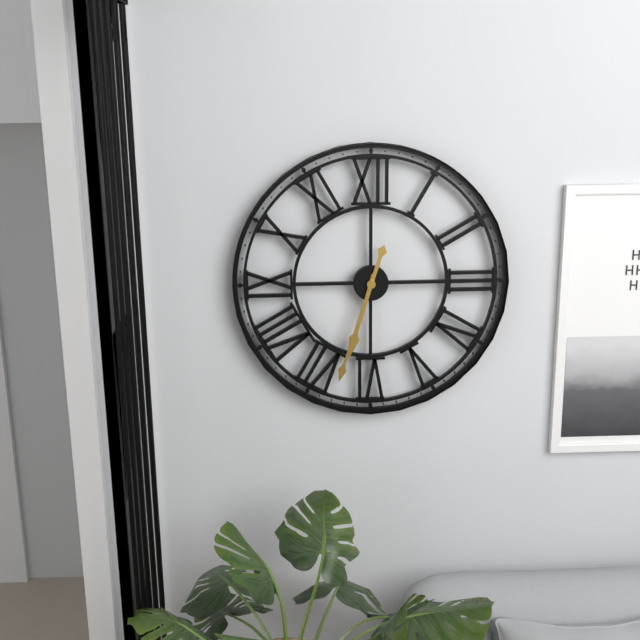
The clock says {"hour": 6, "minute": 33}
